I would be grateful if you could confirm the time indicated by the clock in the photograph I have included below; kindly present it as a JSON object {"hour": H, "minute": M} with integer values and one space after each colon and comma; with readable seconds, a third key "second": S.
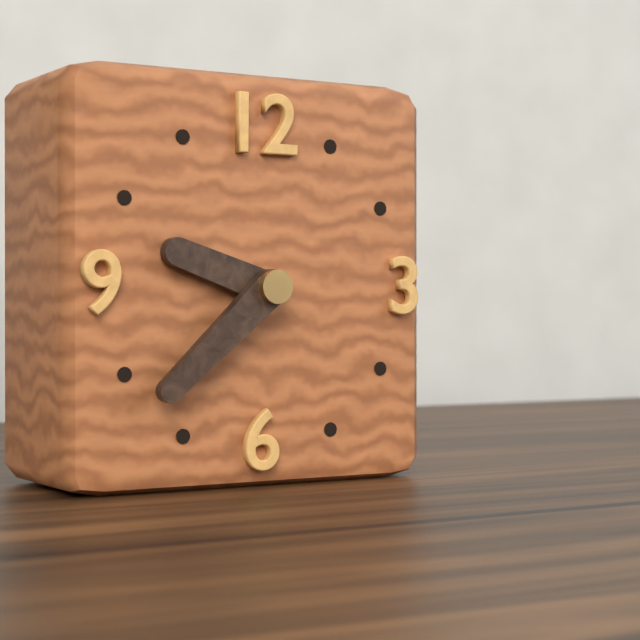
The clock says {"hour": 9, "minute": 38}
